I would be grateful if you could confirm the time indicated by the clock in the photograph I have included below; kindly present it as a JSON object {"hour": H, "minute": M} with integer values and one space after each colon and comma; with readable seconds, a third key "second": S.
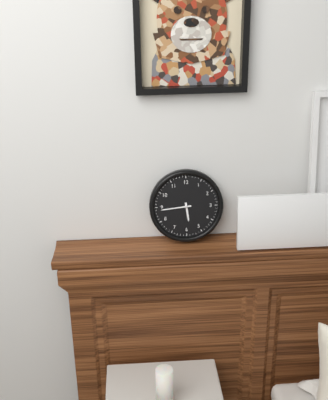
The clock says {"hour": 5, "minute": 44}
